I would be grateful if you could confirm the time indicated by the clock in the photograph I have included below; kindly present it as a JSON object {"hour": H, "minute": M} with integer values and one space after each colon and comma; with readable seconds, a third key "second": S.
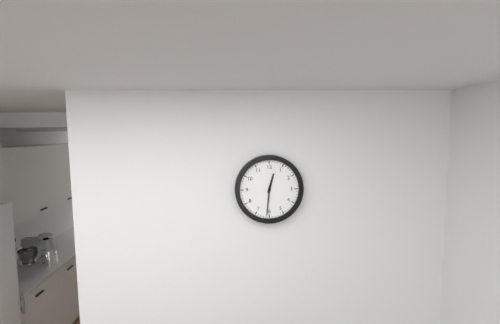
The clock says {"hour": 12, "minute": 31}
